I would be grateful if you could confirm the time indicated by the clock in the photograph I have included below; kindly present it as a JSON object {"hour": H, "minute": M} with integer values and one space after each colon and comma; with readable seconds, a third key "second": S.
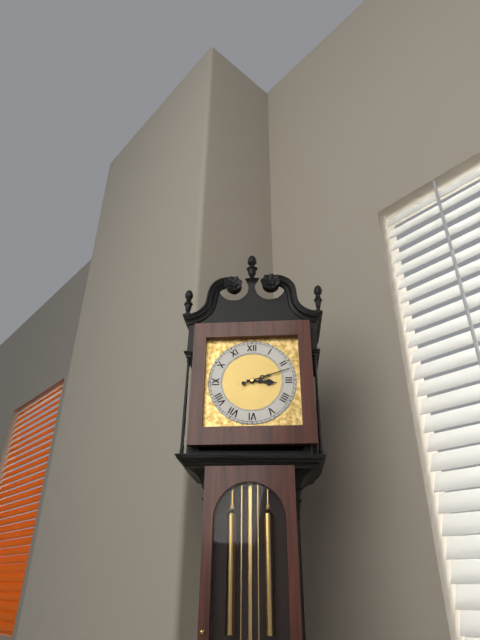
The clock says {"hour": 3, "minute": 12}
